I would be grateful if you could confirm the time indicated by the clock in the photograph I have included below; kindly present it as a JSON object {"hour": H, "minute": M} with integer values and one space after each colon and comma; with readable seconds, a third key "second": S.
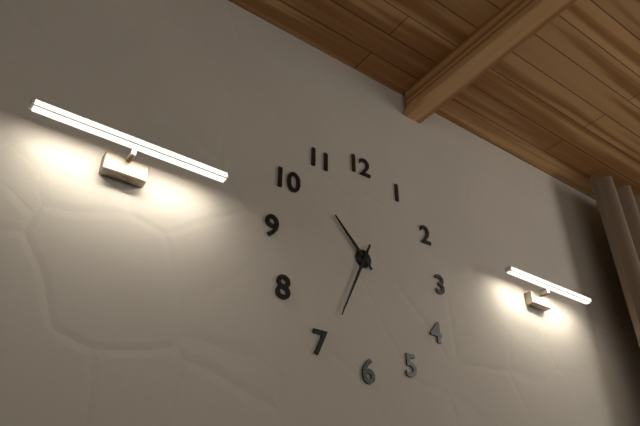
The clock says {"hour": 10, "minute": 34}
